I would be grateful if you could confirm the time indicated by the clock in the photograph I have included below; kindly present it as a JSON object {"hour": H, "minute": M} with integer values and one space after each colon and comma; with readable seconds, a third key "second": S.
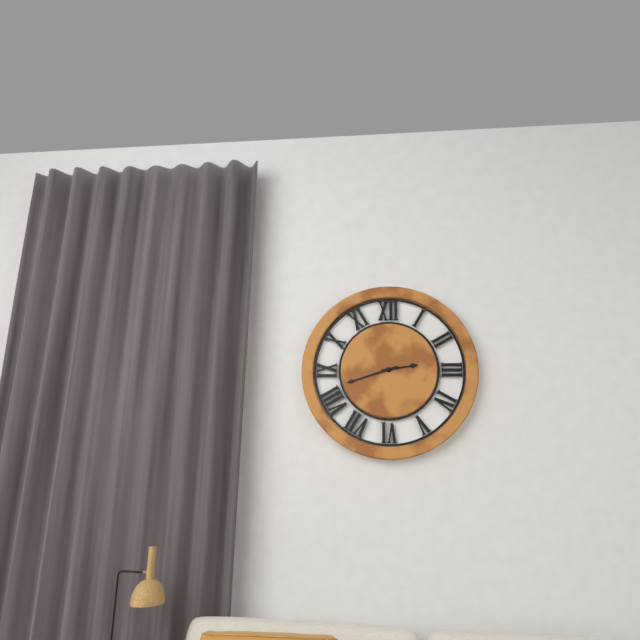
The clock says {"hour": 2, "minute": 42}
